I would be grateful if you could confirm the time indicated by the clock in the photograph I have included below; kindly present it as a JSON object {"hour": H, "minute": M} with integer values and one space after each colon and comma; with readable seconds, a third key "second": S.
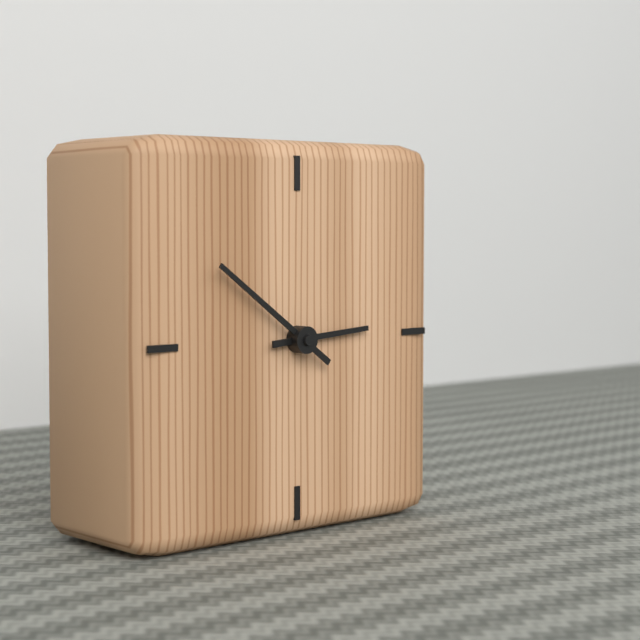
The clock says {"hour": 2, "minute": 51}
